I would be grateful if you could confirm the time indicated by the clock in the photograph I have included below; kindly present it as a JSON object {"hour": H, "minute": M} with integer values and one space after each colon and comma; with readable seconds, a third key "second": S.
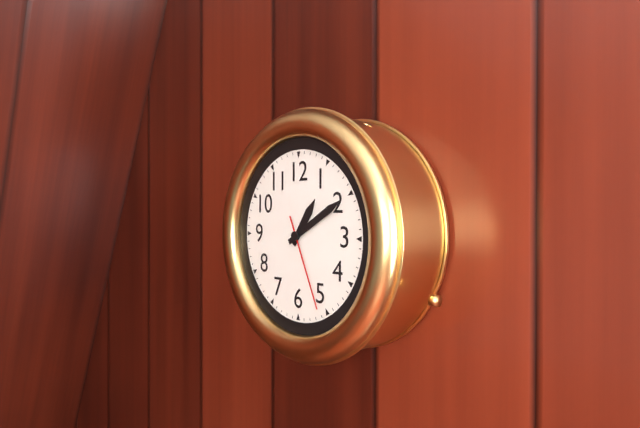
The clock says {"hour": 1, "minute": 10, "second": 26}
